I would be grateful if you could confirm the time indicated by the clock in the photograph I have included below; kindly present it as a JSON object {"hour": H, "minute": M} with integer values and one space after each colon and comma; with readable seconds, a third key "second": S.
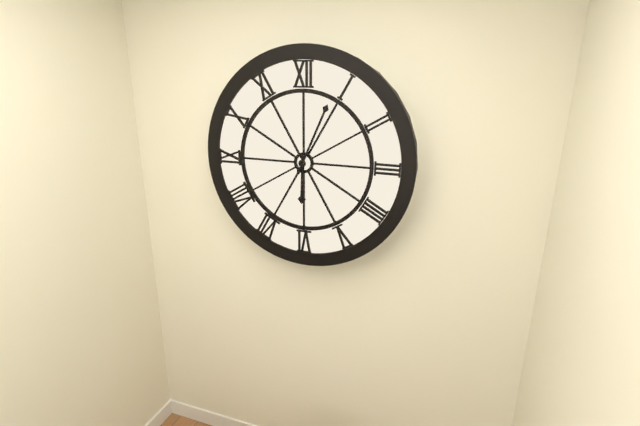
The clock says {"hour": 6, "minute": 4}
